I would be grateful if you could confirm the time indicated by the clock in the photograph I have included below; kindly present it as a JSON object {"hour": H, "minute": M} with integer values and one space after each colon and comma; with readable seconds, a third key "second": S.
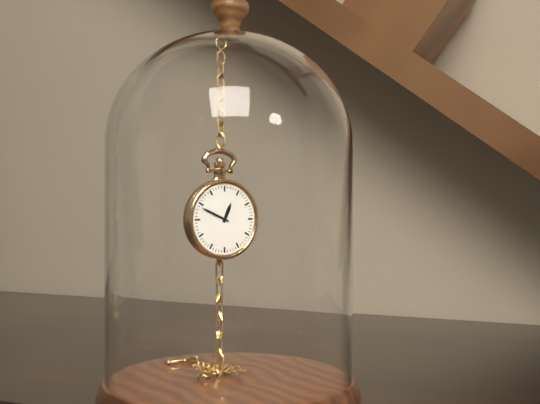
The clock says {"hour": 12, "minute": 49}
